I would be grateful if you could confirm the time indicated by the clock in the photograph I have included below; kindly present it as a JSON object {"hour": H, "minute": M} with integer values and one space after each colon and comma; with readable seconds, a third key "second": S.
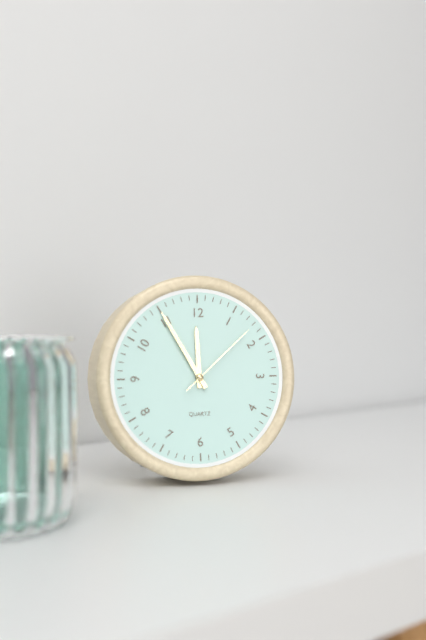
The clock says {"hour": 11, "minute": 55, "second": 8}
